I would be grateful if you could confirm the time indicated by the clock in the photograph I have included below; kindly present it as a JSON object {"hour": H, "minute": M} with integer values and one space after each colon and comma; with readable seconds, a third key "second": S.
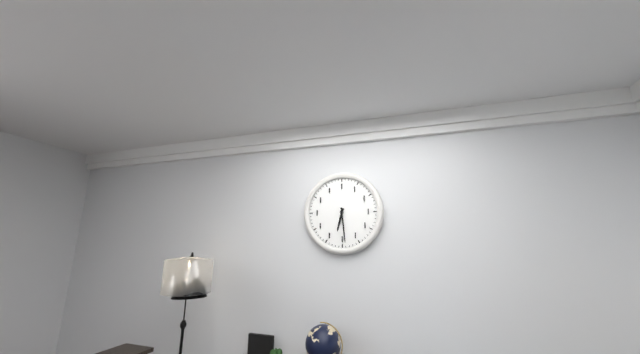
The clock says {"hour": 6, "minute": 29}
